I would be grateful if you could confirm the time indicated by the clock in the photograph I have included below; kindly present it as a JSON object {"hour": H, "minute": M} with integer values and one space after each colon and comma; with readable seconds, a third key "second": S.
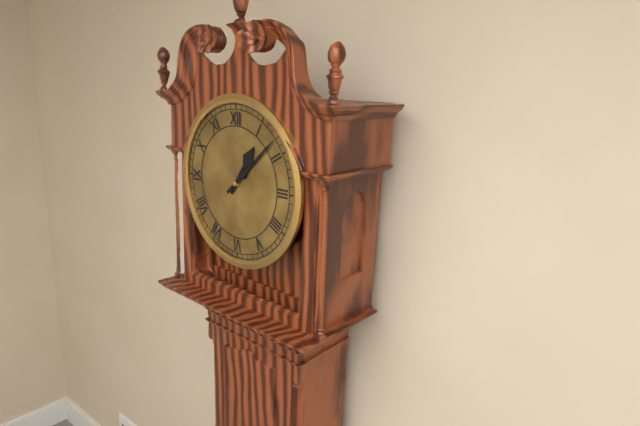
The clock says {"hour": 1, "minute": 8}
